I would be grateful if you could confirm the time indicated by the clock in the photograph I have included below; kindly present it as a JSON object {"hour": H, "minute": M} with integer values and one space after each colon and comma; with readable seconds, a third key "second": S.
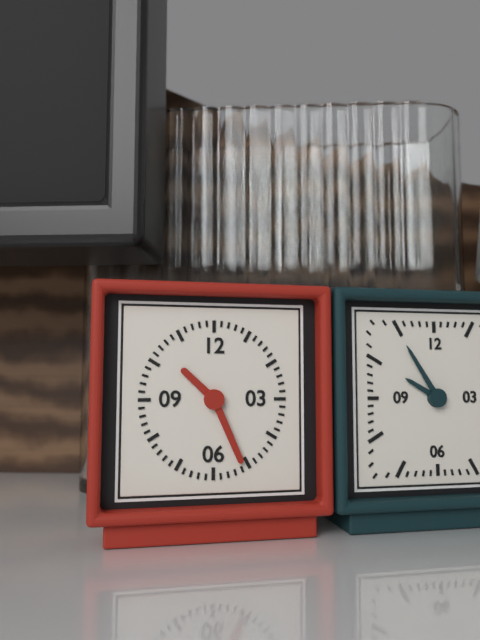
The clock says {"hour": 10, "minute": 26}
